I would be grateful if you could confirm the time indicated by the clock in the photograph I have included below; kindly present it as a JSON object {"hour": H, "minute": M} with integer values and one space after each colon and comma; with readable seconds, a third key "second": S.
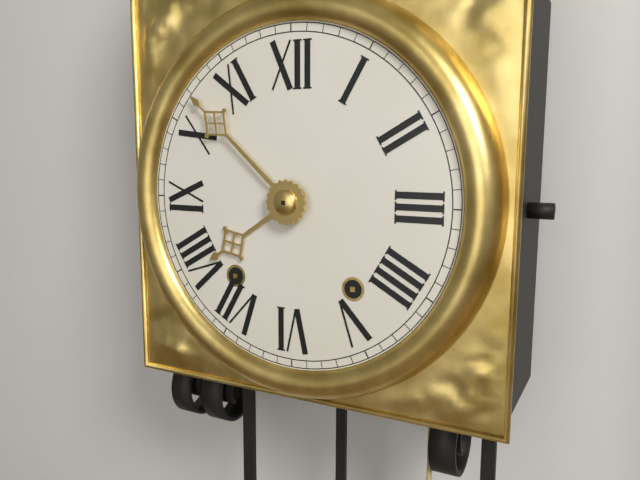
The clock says {"hour": 7, "minute": 52}
